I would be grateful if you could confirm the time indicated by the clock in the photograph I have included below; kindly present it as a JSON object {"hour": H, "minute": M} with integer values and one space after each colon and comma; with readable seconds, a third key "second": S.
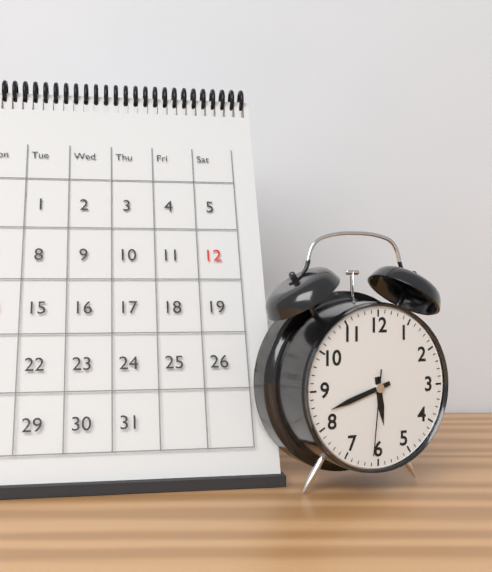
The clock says {"hour": 5, "minute": 42, "second": 31}
